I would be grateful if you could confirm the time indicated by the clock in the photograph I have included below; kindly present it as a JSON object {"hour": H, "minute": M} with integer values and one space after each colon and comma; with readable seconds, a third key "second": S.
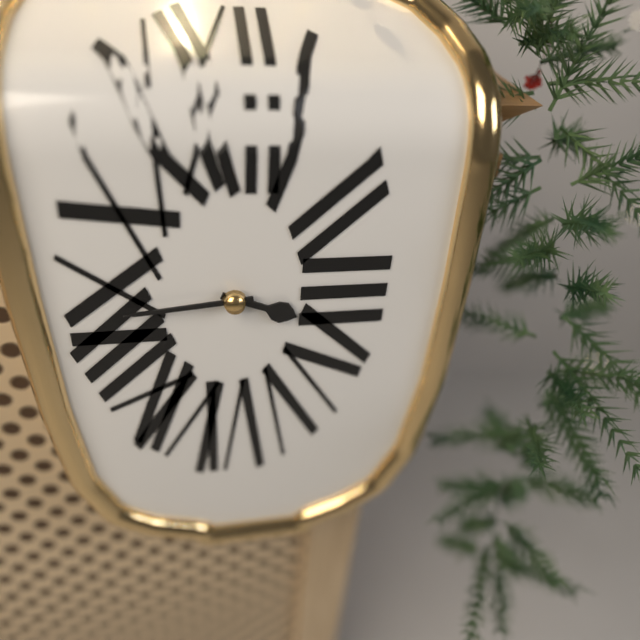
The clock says {"hour": 3, "minute": 44}
